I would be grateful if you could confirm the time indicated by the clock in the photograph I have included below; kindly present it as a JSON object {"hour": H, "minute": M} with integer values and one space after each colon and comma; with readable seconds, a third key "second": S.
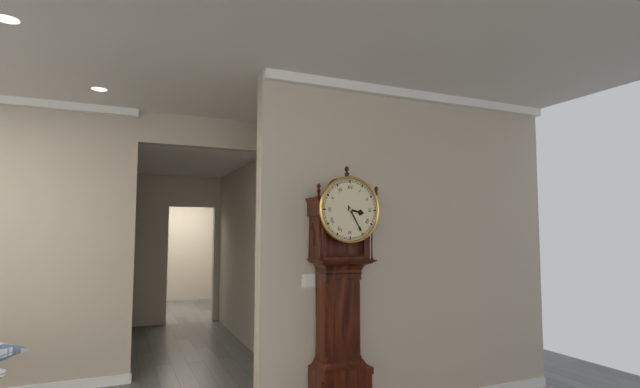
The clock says {"hour": 3, "minute": 25}
